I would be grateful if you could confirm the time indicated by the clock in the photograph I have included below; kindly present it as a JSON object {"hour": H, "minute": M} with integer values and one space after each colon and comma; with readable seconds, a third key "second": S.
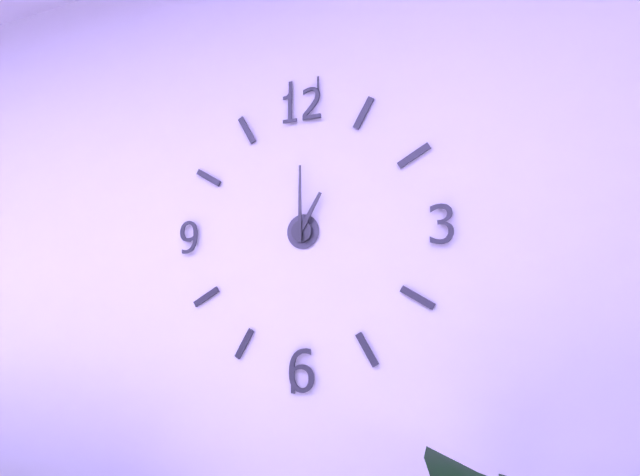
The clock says {"hour": 1, "minute": 0}
